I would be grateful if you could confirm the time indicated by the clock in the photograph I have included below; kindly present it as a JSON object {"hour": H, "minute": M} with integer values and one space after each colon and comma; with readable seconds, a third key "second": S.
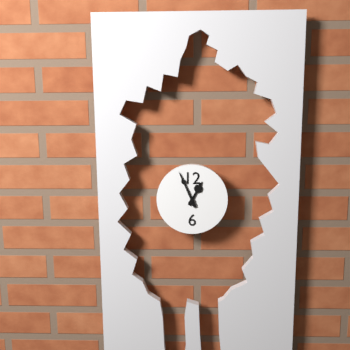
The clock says {"hour": 12, "minute": 56}
